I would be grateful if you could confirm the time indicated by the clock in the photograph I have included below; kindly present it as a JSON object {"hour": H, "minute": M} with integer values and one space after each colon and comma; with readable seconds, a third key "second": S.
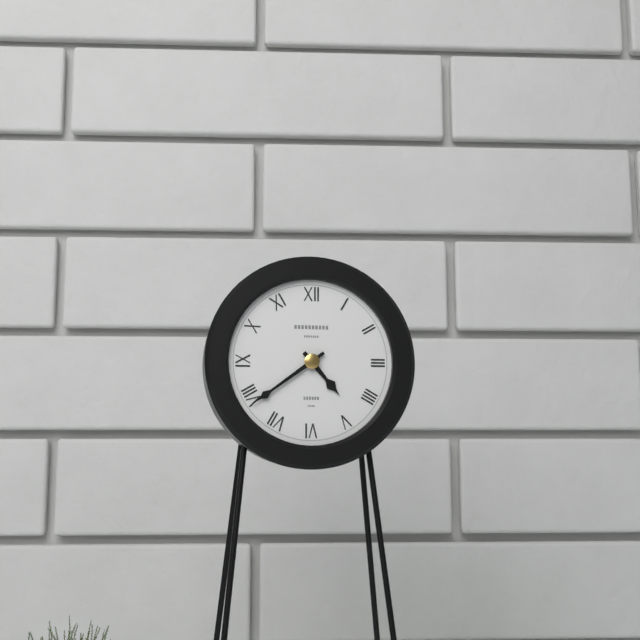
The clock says {"hour": 4, "minute": 39}
